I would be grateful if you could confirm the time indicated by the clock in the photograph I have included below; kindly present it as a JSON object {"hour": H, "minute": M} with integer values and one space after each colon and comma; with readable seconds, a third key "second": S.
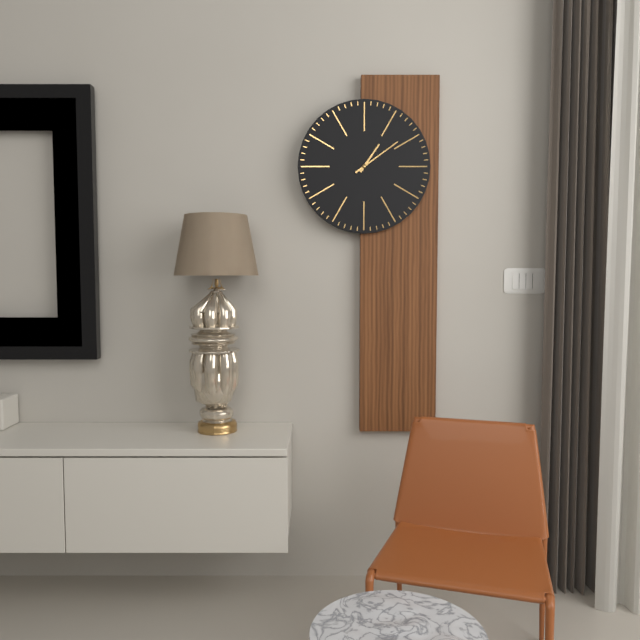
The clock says {"hour": 1, "minute": 9}
